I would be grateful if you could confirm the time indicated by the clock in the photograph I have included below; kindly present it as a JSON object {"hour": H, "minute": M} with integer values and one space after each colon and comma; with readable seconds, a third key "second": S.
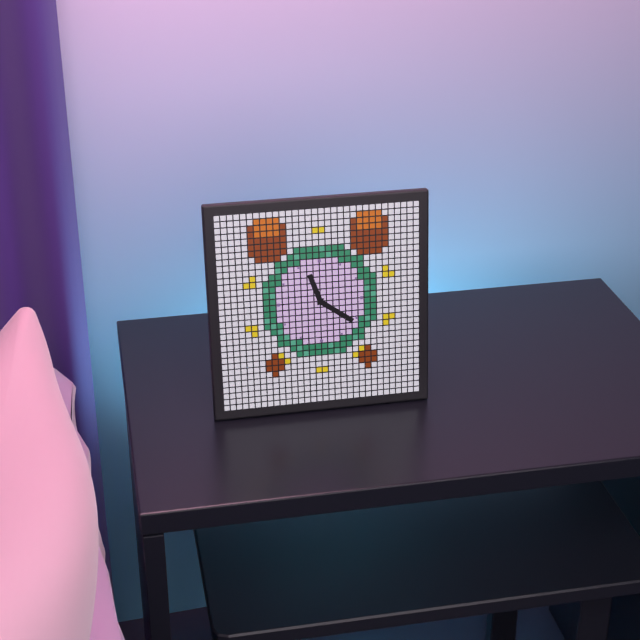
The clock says {"hour": 11, "minute": 21}
